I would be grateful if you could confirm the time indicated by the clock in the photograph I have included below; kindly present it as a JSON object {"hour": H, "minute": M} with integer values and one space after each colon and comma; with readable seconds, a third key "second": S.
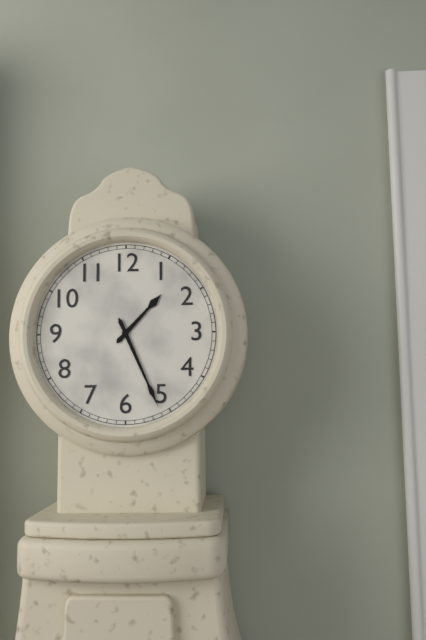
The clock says {"hour": 1, "minute": 26}
